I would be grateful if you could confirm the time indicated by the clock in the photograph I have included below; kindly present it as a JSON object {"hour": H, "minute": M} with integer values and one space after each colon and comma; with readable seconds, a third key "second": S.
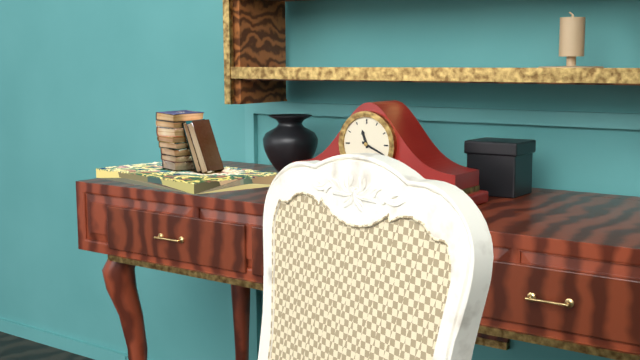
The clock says {"hour": 11, "minute": 19}
